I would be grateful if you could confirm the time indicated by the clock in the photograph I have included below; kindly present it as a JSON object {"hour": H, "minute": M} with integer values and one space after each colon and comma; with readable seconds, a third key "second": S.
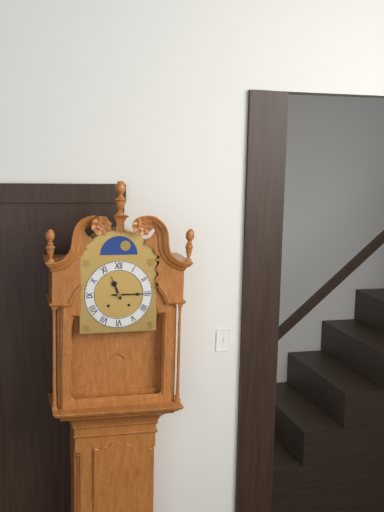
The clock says {"hour": 11, "minute": 15}
